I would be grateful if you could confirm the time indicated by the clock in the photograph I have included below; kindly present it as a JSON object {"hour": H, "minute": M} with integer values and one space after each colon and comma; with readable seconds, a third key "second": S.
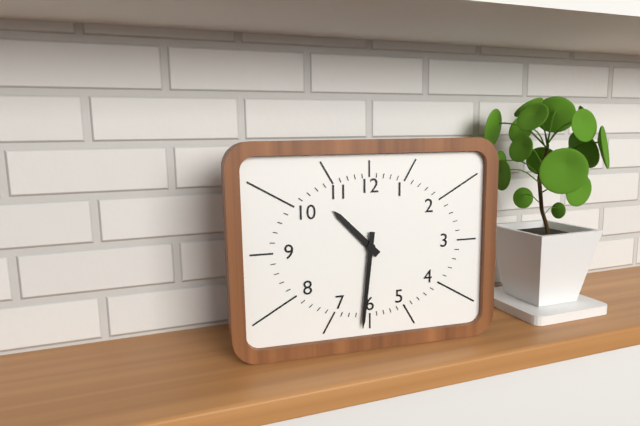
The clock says {"hour": 10, "minute": 31}
